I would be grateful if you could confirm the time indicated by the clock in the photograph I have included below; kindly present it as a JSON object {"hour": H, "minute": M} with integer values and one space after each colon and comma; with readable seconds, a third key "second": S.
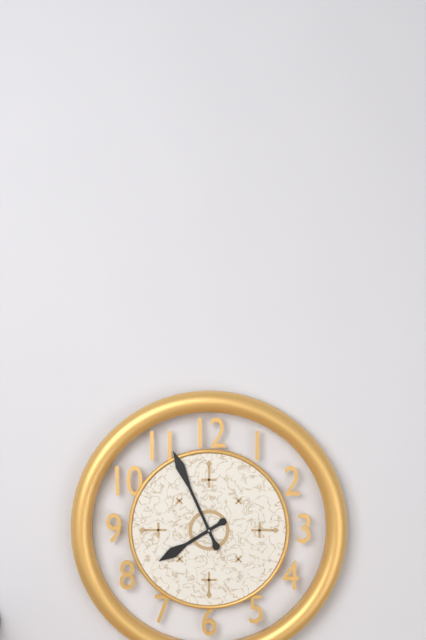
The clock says {"hour": 7, "minute": 56}
